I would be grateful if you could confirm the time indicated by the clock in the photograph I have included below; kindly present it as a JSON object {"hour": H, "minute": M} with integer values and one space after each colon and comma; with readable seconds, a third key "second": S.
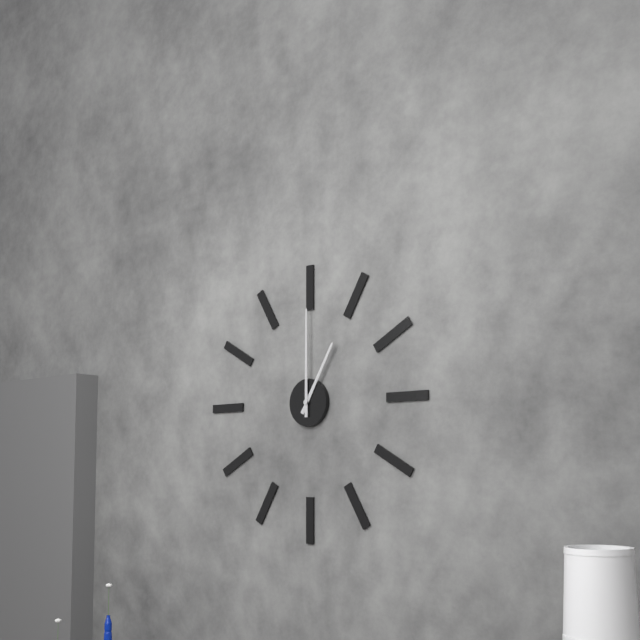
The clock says {"hour": 1, "minute": 0}
